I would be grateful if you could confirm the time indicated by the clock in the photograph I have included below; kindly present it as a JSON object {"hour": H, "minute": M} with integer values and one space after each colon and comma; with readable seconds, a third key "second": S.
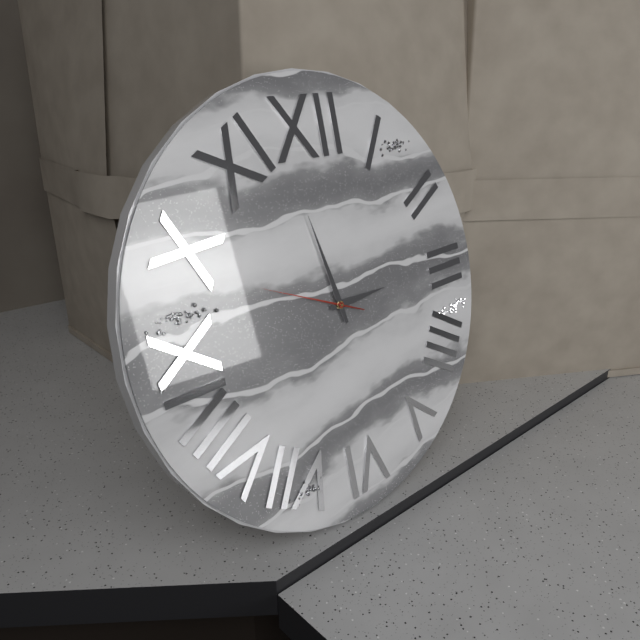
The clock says {"hour": 2, "minute": 58, "second": 49}
